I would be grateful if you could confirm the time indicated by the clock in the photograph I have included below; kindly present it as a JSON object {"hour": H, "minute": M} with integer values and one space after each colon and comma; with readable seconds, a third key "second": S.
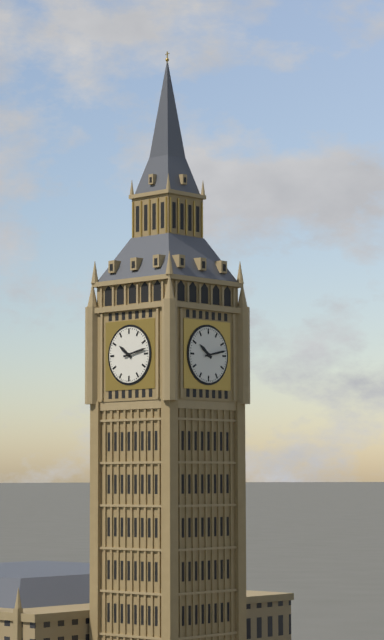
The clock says {"hour": 10, "minute": 13}
